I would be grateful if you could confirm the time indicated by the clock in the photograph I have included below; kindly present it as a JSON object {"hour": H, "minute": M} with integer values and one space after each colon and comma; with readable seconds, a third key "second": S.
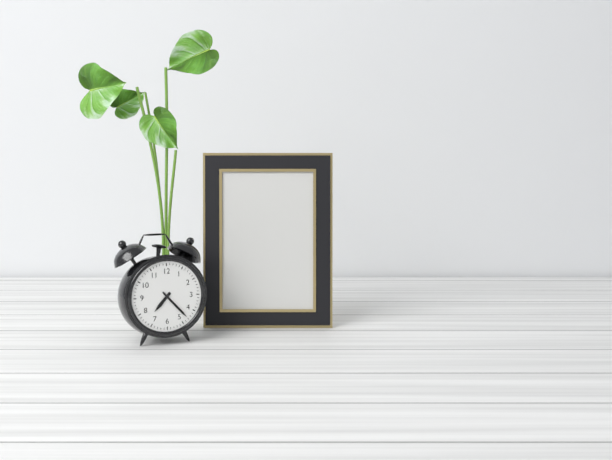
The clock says {"hour": 7, "minute": 23}
